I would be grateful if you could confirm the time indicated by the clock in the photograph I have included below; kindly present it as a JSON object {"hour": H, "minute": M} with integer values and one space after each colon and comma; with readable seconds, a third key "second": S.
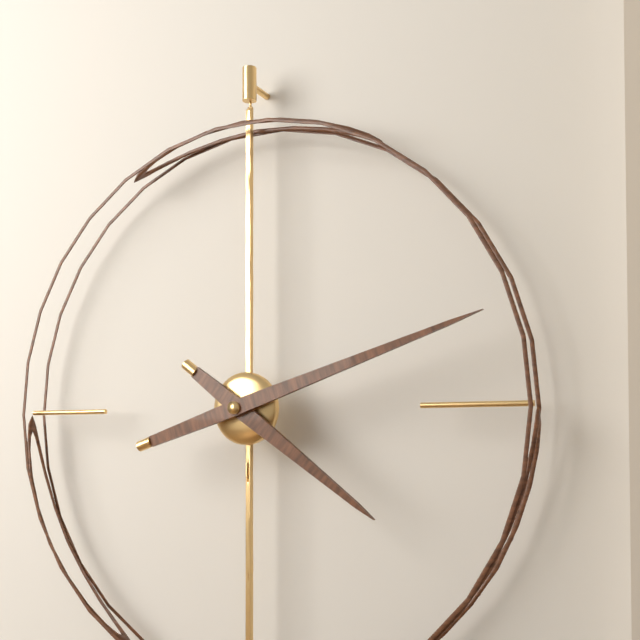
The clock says {"hour": 4, "minute": 12}
